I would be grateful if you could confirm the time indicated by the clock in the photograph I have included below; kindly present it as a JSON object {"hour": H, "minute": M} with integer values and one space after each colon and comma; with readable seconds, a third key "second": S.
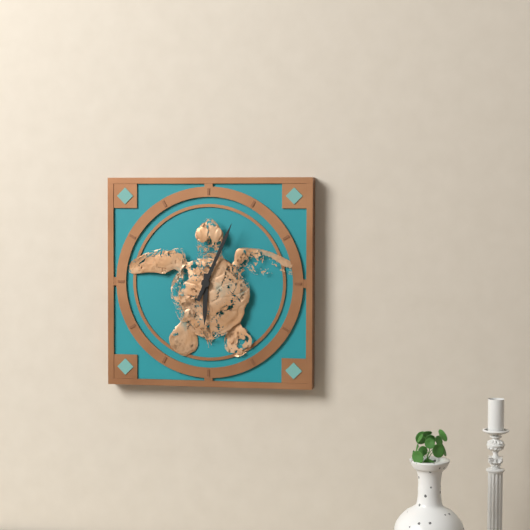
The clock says {"hour": 6, "minute": 4}
